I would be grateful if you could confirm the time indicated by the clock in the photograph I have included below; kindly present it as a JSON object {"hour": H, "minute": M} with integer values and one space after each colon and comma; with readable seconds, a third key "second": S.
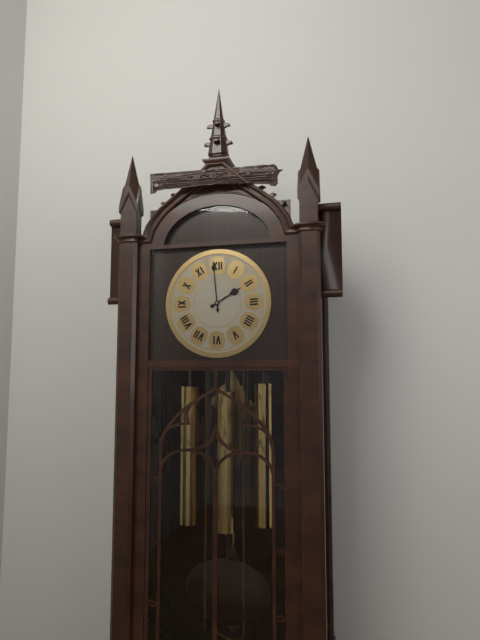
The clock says {"hour": 1, "minute": 59}
